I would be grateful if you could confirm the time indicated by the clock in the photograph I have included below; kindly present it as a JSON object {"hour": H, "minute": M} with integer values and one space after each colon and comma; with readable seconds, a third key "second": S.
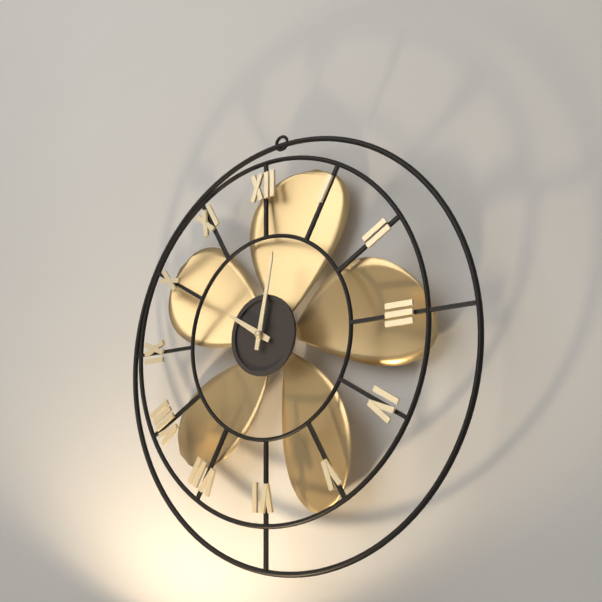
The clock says {"hour": 10, "minute": 2}
